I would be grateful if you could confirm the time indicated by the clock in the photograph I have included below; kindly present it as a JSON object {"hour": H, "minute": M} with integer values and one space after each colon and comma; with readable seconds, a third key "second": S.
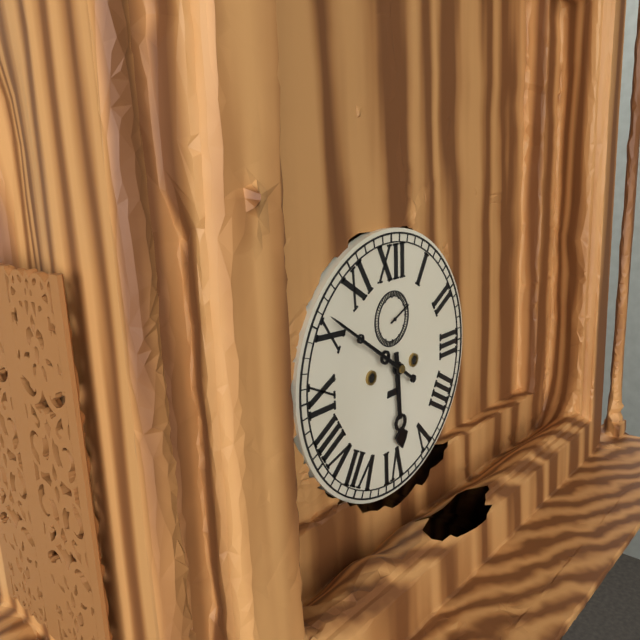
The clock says {"hour": 5, "minute": 51}
